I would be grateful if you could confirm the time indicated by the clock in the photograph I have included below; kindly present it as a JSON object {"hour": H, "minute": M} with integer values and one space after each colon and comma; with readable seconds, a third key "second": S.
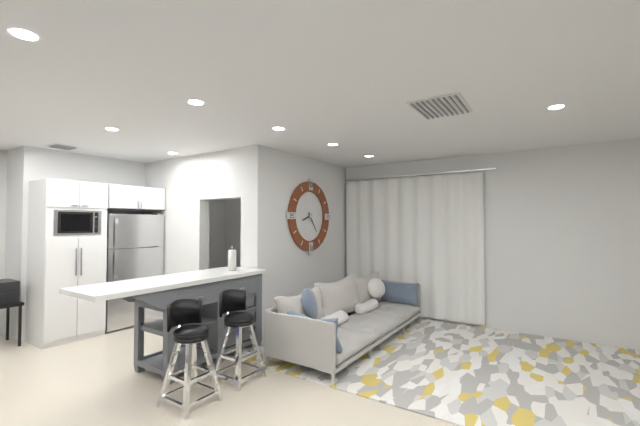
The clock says {"hour": 8, "minute": 24}
